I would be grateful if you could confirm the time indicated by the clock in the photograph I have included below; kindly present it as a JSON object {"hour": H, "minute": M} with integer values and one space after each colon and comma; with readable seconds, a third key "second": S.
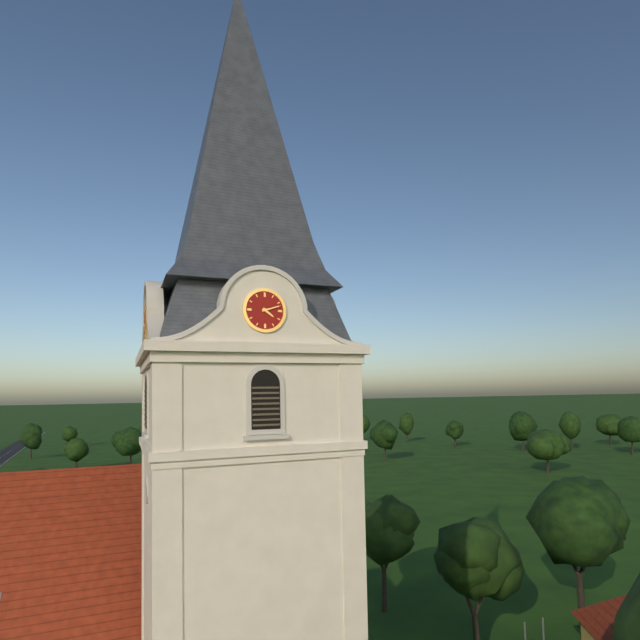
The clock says {"hour": 4, "minute": 12}
